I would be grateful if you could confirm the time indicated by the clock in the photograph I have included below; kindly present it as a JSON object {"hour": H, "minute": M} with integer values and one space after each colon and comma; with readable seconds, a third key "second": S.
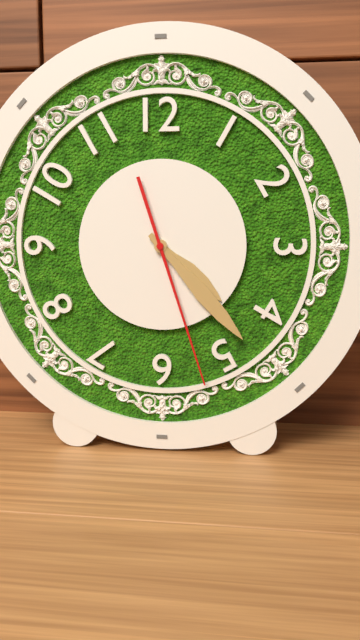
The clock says {"hour": 4, "minute": 23, "second": 27}
